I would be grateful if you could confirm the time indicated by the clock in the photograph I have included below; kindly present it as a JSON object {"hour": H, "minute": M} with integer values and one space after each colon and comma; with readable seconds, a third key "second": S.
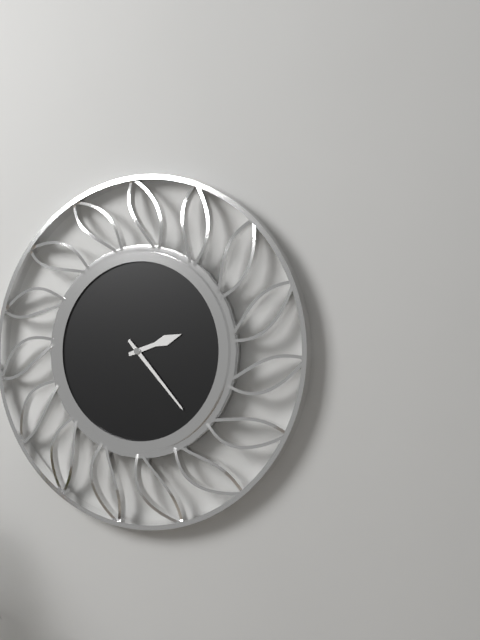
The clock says {"hour": 2, "minute": 23}
